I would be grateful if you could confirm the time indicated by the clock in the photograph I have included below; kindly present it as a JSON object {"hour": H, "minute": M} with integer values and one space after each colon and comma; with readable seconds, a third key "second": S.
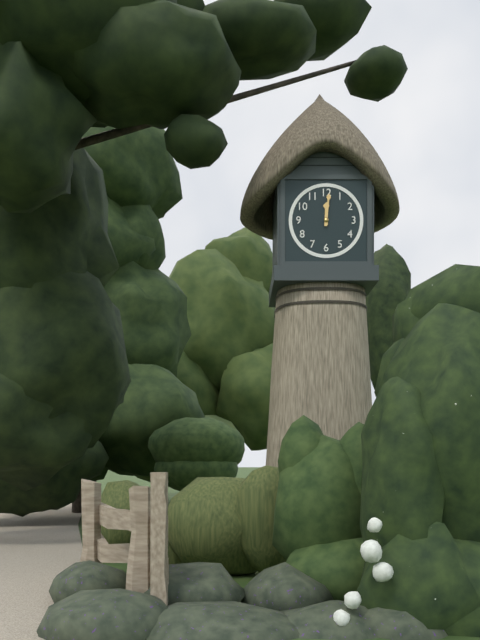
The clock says {"hour": 12, "minute": 1}
